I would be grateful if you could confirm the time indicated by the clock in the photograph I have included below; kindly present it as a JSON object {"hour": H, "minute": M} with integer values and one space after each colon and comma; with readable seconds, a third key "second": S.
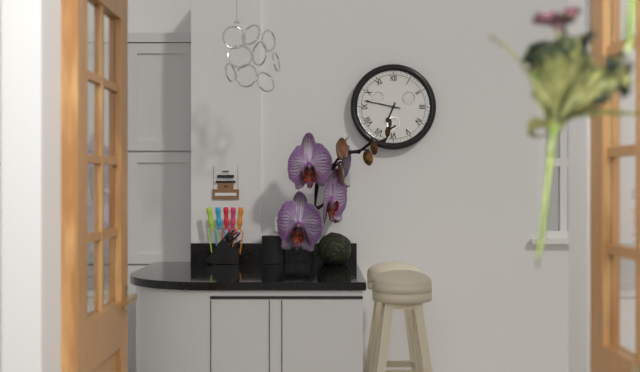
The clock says {"hour": 6, "minute": 47}
